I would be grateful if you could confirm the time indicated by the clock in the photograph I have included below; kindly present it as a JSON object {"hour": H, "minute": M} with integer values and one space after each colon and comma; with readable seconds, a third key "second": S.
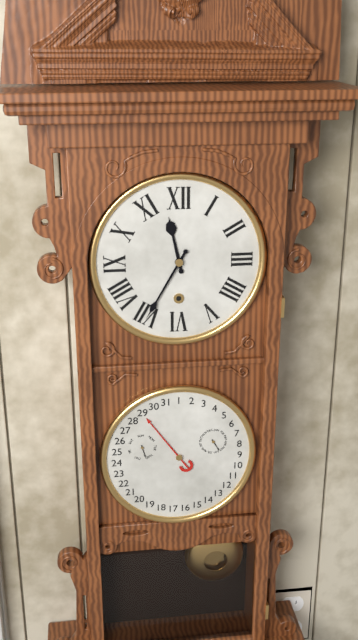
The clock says {"hour": 11, "minute": 35}
